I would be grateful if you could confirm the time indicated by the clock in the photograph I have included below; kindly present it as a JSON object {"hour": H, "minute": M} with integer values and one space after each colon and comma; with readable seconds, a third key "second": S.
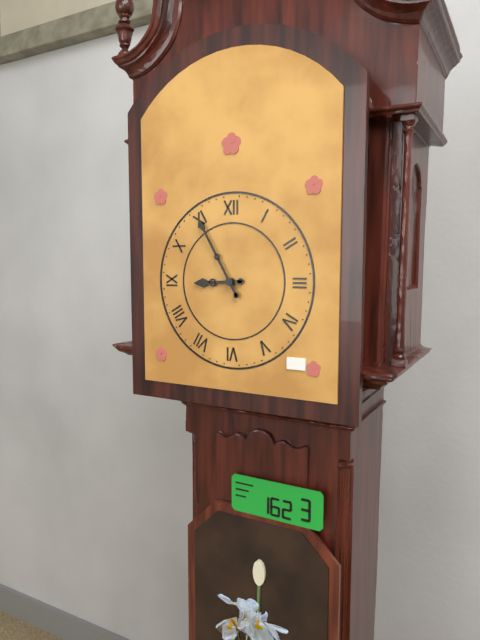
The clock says {"hour": 8, "minute": 55}
